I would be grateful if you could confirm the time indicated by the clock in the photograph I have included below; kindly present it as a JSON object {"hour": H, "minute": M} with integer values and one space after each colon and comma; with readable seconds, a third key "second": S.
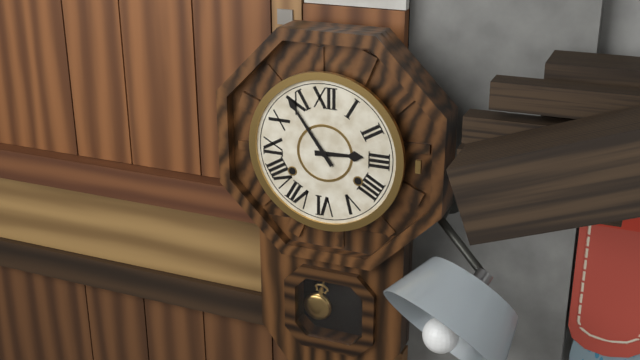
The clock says {"hour": 2, "minute": 54}
